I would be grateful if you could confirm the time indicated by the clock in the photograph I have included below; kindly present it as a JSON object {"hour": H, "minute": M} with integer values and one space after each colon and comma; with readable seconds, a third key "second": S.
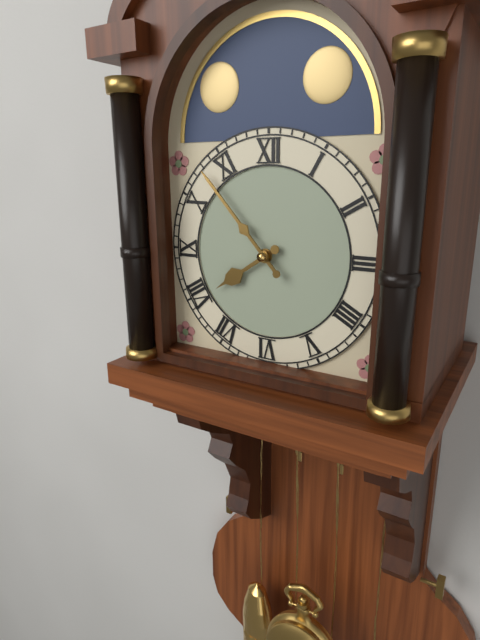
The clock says {"hour": 7, "minute": 53}
